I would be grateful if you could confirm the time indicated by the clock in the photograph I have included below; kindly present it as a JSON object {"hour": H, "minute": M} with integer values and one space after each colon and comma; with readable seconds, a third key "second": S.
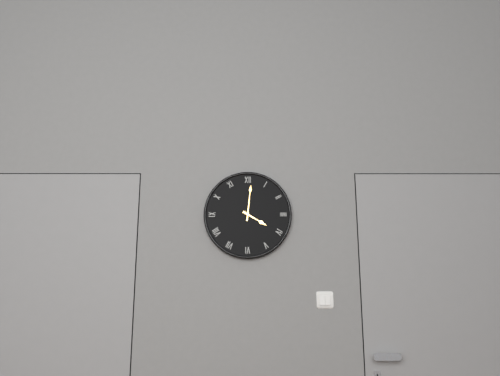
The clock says {"hour": 4, "minute": 1}
